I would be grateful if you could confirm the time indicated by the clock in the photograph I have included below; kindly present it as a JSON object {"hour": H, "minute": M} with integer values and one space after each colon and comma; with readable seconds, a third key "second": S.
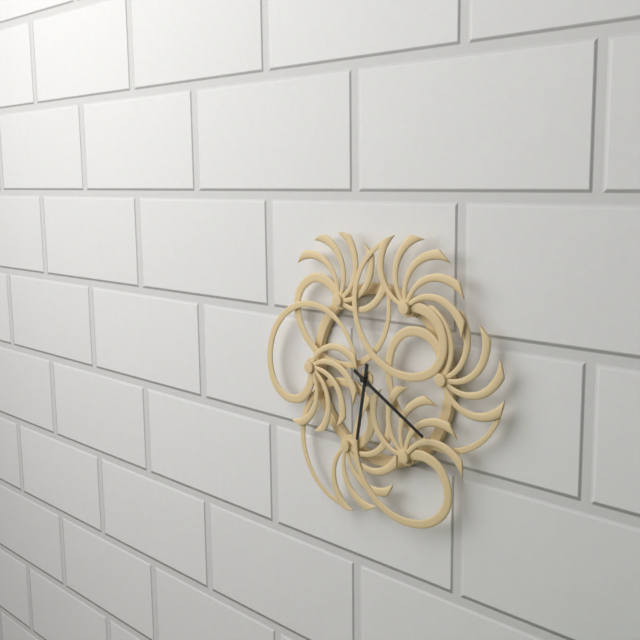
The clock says {"hour": 6, "minute": 20}
